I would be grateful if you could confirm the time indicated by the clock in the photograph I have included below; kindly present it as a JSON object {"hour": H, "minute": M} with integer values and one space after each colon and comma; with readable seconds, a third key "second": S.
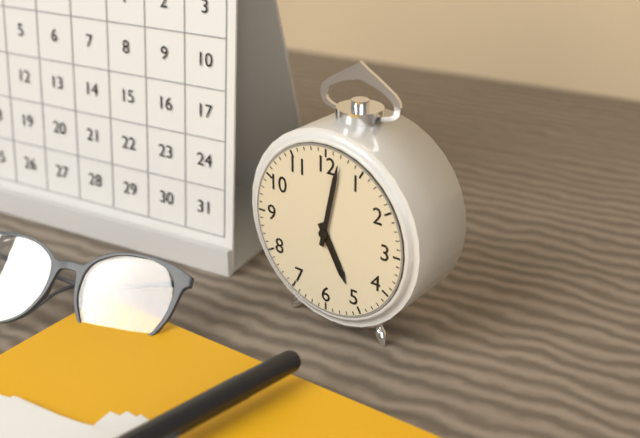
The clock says {"hour": 5, "minute": 2}
